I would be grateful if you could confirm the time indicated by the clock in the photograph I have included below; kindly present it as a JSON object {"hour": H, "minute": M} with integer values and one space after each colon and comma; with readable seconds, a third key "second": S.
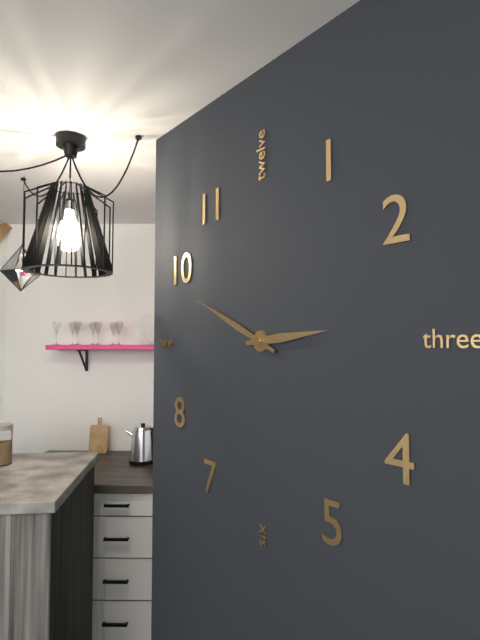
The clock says {"hour": 2, "minute": 49}
